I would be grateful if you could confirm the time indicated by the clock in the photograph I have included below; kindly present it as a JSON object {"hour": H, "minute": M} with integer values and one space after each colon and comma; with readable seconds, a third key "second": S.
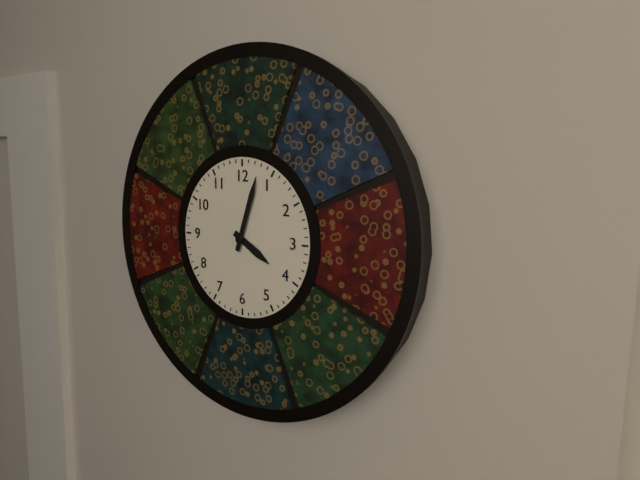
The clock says {"hour": 4, "minute": 3}
